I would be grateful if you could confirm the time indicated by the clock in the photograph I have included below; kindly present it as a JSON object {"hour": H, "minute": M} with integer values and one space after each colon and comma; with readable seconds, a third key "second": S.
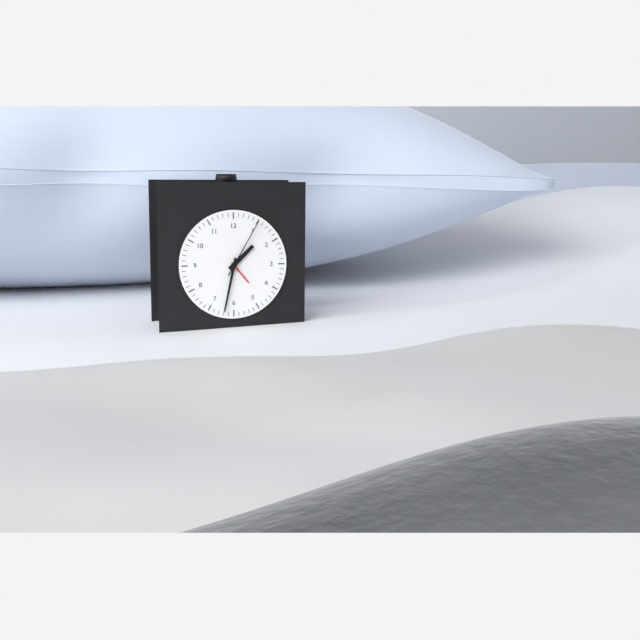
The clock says {"hour": 1, "minute": 32, "second": 5}
